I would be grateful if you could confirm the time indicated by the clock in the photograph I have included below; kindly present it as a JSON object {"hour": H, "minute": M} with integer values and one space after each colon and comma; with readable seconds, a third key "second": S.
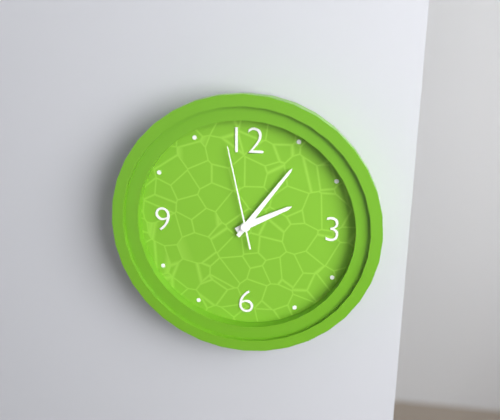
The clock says {"hour": 2, "minute": 6, "second": 58}
